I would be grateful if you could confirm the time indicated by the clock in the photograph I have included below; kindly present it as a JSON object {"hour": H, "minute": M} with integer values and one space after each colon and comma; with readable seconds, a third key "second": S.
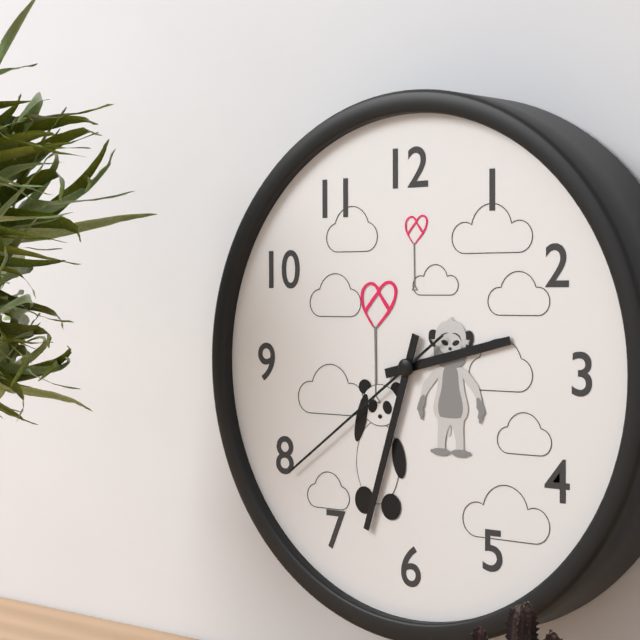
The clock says {"hour": 2, "minute": 33, "second": 39}
